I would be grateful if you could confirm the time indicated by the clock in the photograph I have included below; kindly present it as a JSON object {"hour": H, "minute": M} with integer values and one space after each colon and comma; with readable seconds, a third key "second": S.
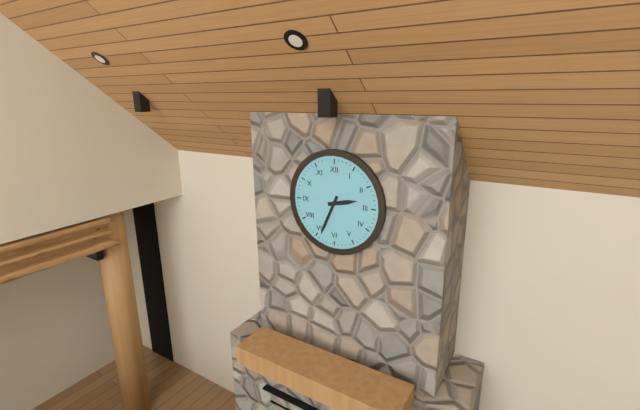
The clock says {"hour": 2, "minute": 34}
